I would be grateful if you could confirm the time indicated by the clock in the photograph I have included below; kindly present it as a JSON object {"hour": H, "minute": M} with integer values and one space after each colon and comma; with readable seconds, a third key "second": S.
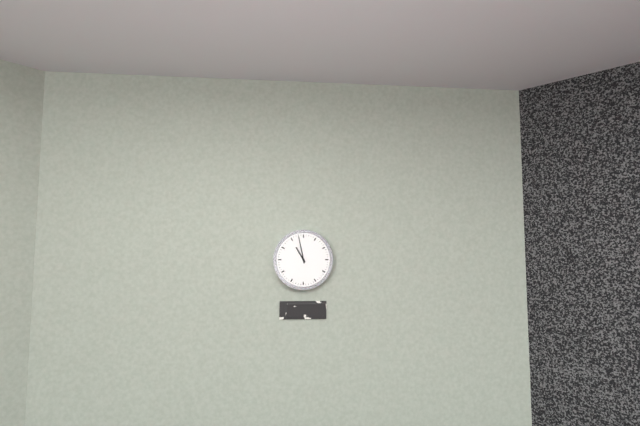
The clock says {"hour": 10, "minute": 58}
